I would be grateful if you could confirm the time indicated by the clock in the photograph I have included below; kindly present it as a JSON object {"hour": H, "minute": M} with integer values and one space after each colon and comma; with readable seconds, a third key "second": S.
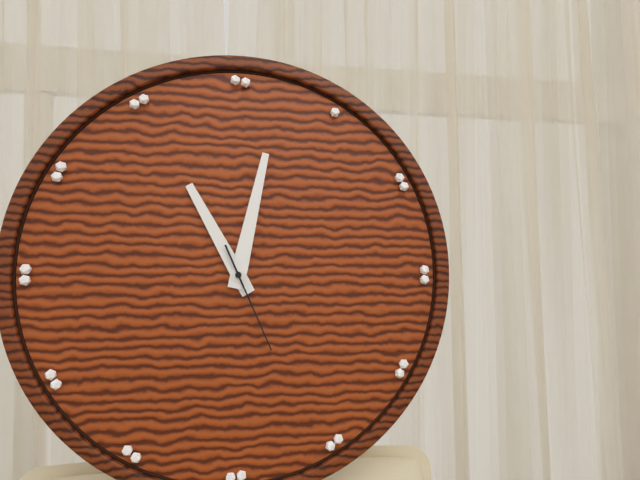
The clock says {"hour": 11, "minute": 2, "second": 26}
